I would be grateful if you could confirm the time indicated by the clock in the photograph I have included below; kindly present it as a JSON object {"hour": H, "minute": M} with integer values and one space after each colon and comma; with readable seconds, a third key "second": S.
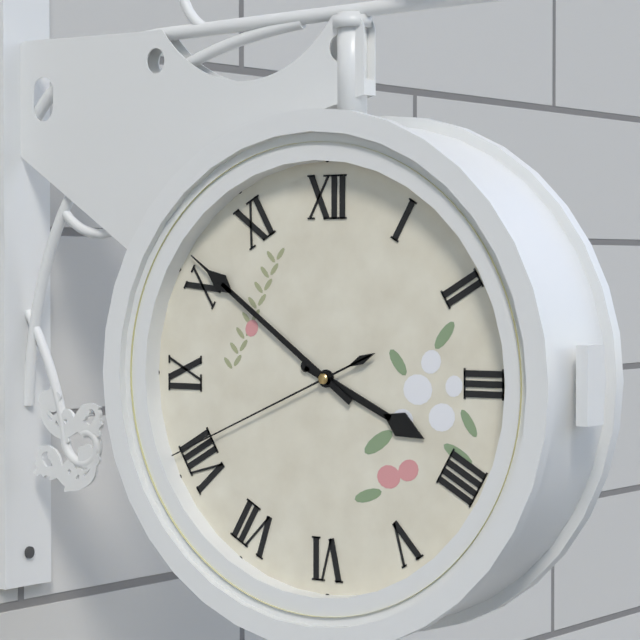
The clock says {"hour": 3, "minute": 51, "second": 41}
